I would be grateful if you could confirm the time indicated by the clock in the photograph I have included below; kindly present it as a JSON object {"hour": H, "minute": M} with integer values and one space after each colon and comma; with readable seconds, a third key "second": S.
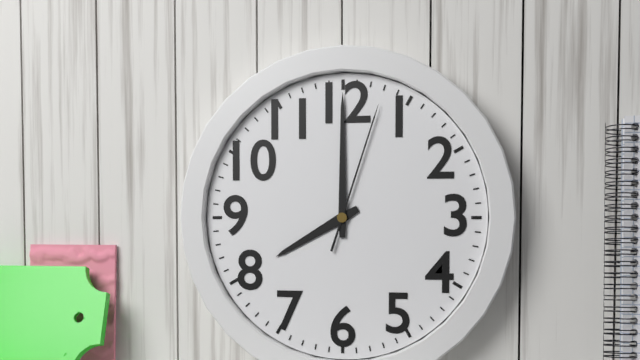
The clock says {"hour": 8, "minute": 0, "second": 3}
